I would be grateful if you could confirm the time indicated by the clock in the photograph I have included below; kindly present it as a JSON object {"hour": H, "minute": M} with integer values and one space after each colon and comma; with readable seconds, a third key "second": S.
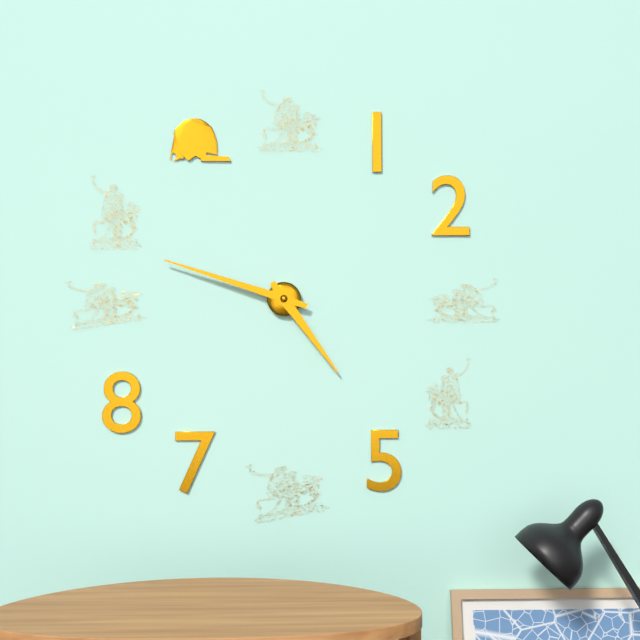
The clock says {"hour": 4, "minute": 48}
